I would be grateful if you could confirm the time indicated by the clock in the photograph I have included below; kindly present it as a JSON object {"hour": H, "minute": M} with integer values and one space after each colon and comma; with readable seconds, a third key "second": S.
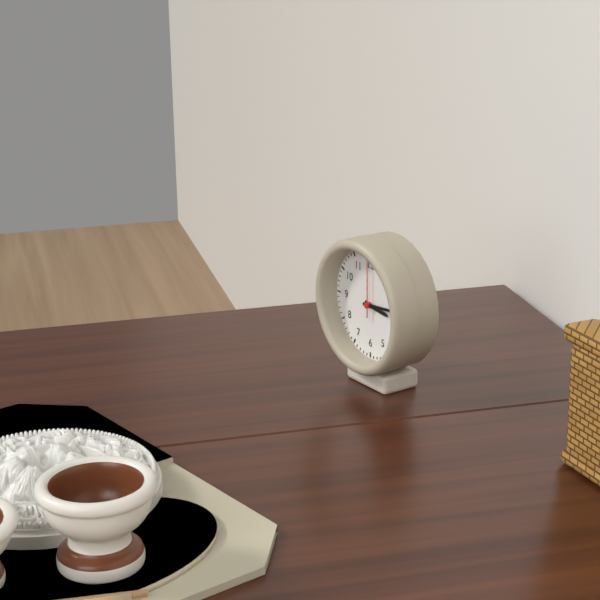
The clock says {"hour": 3, "minute": 14, "second": 0}
